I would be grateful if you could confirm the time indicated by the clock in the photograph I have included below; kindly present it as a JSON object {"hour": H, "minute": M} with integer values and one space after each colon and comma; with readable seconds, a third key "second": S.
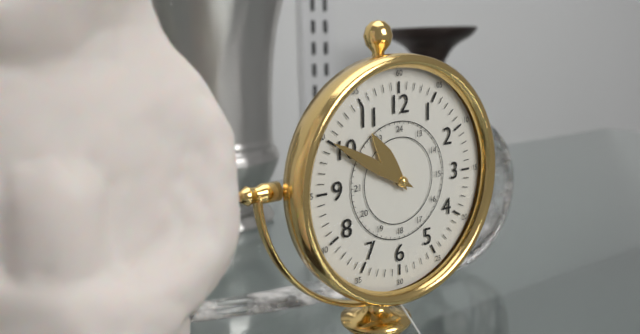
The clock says {"hour": 10, "minute": 50}
